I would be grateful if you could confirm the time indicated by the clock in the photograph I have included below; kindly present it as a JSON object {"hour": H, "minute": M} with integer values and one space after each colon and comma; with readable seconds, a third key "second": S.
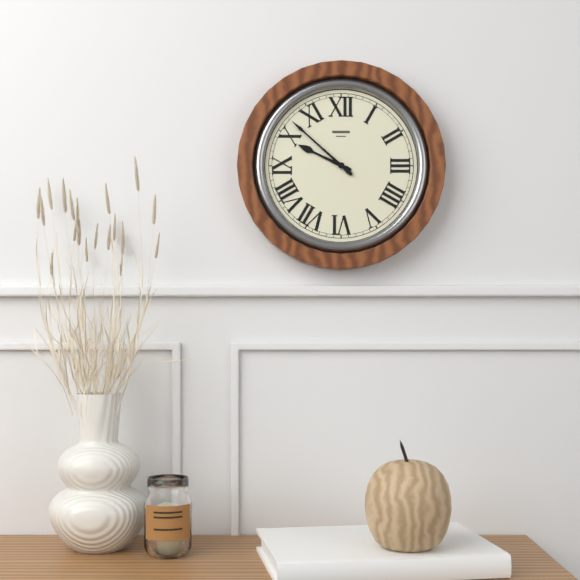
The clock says {"hour": 9, "minute": 52}
